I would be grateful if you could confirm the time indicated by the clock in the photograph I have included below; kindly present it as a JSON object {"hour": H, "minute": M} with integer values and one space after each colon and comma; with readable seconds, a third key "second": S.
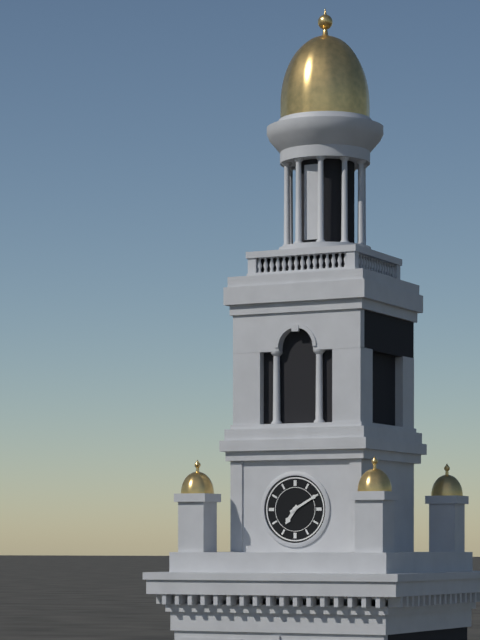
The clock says {"hour": 7, "minute": 10}
